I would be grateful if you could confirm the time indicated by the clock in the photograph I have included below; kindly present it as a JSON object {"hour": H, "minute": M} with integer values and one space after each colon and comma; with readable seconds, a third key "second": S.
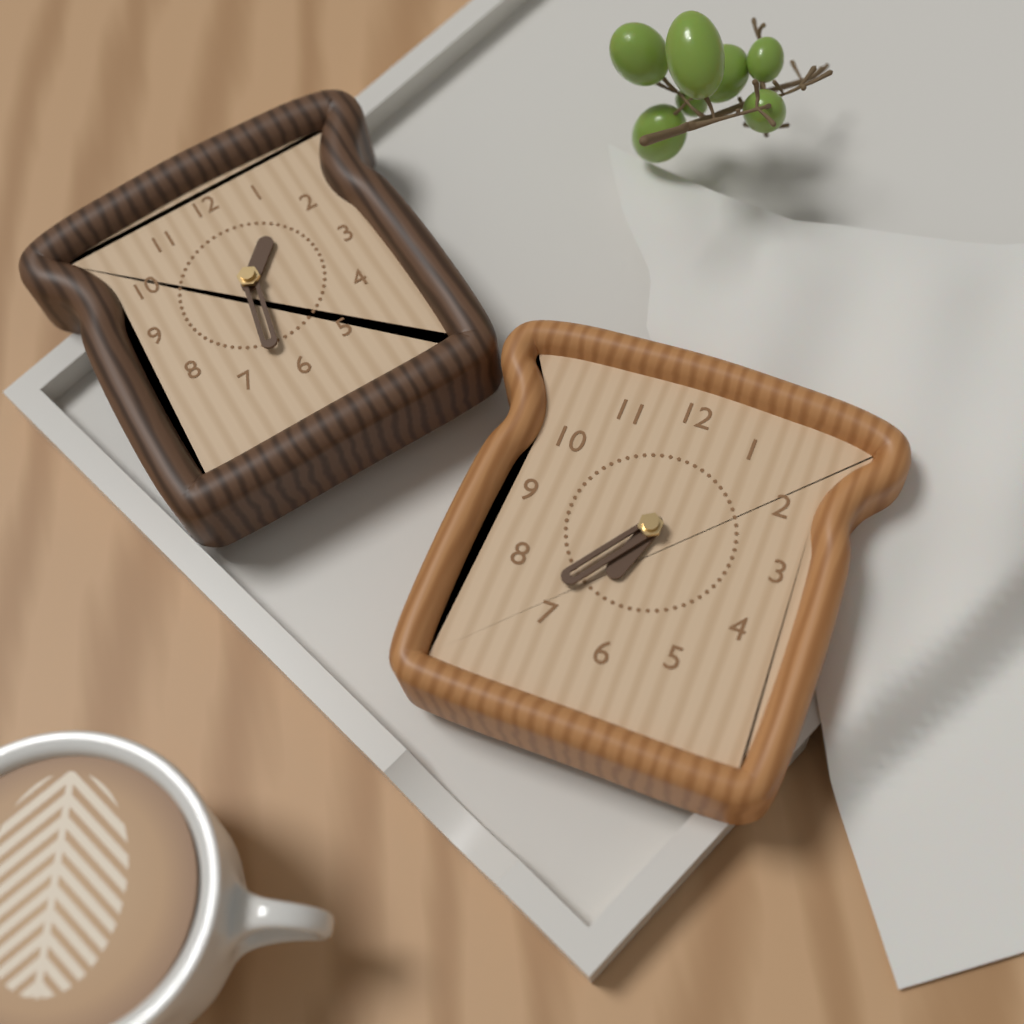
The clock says {"hour": 6, "minute": 36}
